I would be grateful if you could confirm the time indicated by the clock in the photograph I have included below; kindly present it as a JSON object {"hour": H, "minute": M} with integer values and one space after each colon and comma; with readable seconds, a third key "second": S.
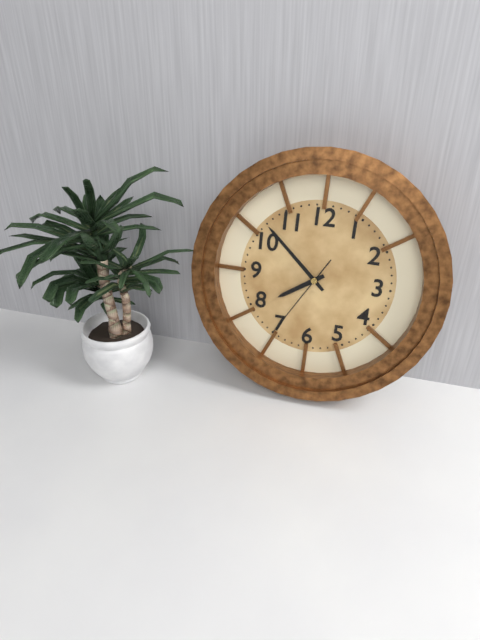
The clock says {"hour": 7, "minute": 52, "second": 35}
